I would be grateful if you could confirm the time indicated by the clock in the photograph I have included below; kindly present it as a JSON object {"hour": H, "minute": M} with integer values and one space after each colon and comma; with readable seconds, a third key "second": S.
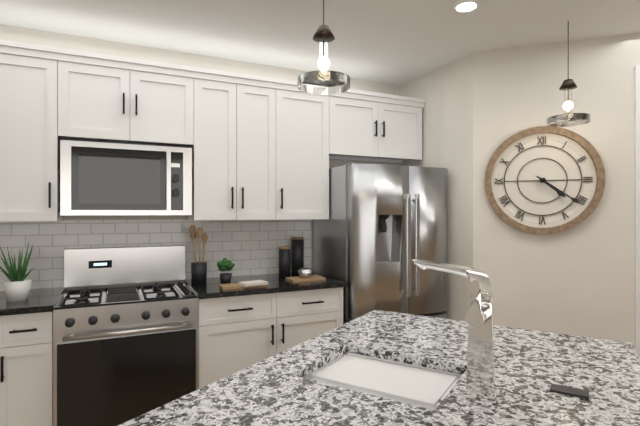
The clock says {"hour": 4, "minute": 21}
